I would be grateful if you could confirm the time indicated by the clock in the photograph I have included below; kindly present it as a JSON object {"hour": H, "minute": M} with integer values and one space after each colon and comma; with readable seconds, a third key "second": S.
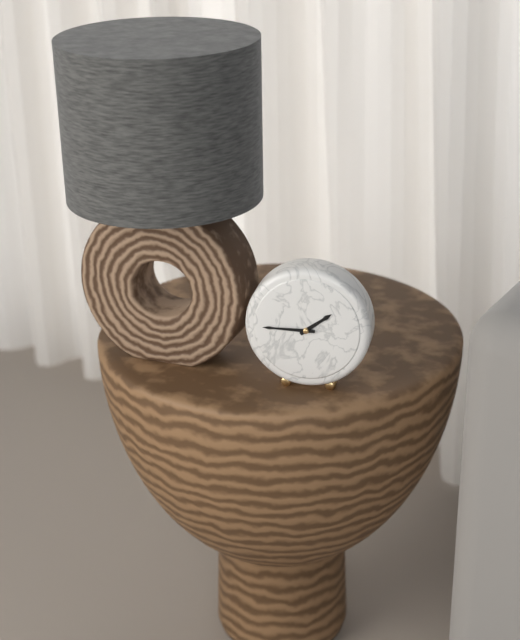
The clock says {"hour": 1, "minute": 45}
